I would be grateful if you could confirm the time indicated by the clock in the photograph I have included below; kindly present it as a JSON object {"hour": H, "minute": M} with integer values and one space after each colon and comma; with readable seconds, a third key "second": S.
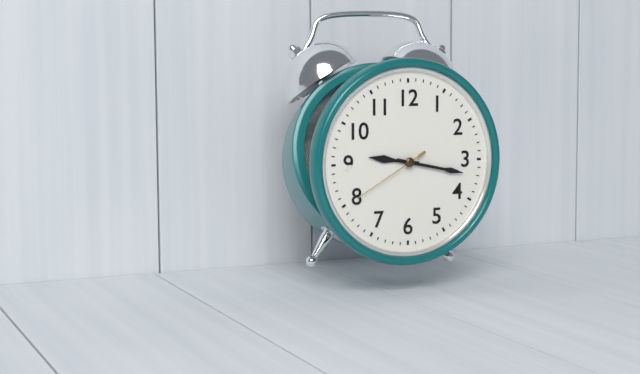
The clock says {"hour": 9, "minute": 17, "second": 40}
